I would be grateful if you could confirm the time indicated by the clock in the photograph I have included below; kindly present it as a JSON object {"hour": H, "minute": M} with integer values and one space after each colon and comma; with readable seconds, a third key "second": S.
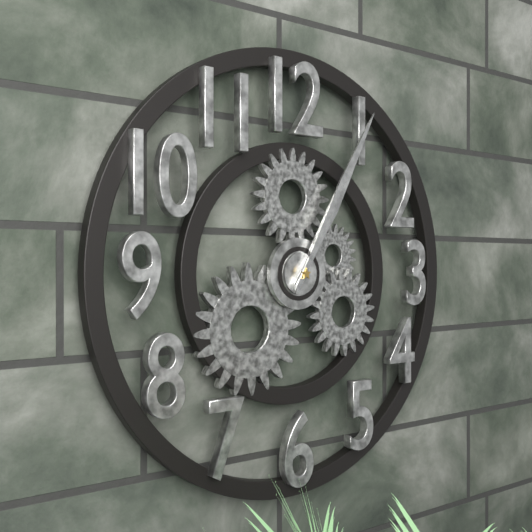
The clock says {"hour": 1, "minute": 5}
